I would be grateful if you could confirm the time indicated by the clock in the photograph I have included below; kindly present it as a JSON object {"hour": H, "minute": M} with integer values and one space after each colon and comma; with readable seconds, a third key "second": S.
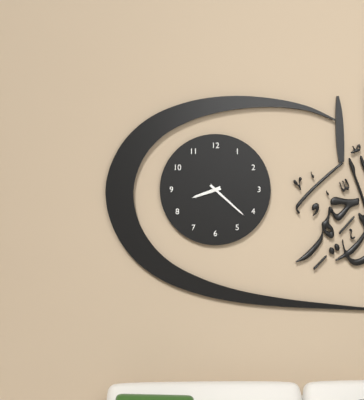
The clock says {"hour": 8, "minute": 22}
